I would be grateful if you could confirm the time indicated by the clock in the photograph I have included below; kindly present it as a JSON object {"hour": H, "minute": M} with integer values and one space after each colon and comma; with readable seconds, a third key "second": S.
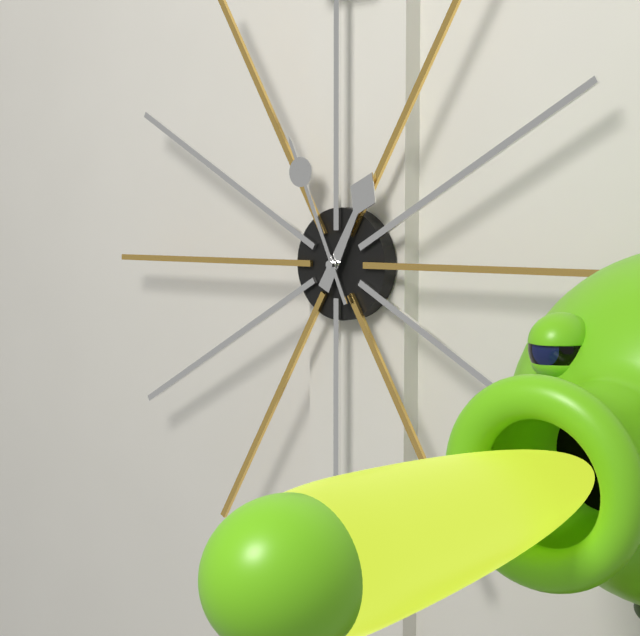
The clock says {"hour": 12, "minute": 56}
